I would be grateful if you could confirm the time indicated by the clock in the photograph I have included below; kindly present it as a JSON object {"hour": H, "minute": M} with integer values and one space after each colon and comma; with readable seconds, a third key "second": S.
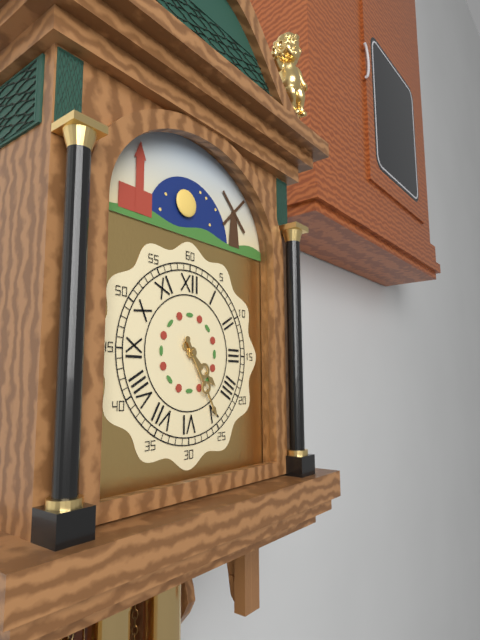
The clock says {"hour": 4, "minute": 25}
